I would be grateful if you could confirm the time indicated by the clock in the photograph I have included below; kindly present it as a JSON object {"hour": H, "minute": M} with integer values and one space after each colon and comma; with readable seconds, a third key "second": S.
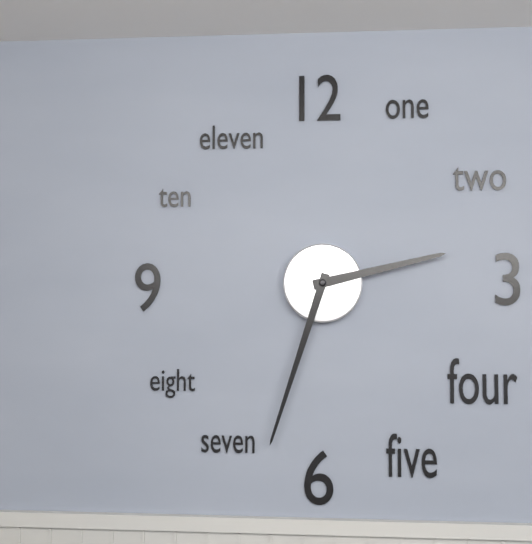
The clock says {"hour": 2, "minute": 33}
